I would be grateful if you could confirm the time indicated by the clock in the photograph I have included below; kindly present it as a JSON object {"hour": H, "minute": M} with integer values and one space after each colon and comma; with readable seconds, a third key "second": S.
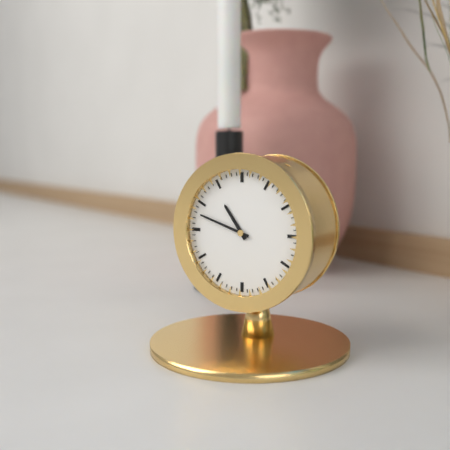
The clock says {"hour": 10, "minute": 48}
